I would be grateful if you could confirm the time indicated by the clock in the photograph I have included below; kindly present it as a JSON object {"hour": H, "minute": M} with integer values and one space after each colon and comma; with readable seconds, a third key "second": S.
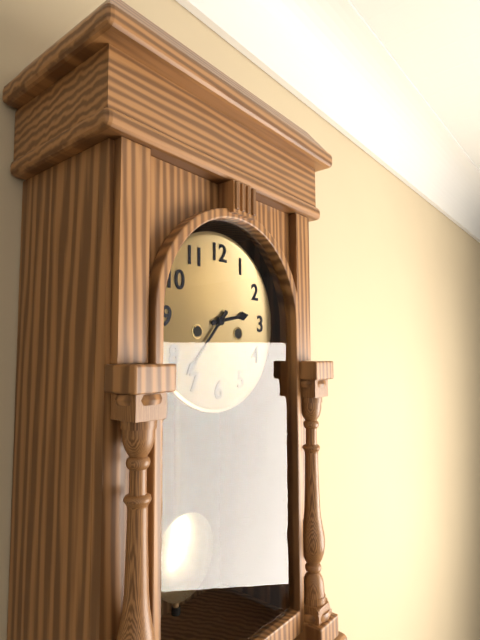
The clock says {"hour": 2, "minute": 37}
